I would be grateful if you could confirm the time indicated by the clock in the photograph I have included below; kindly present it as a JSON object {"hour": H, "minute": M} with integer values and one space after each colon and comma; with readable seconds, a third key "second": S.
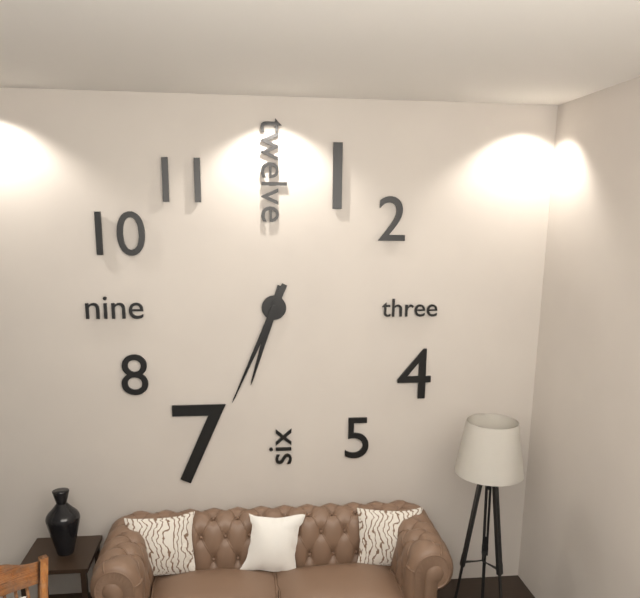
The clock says {"hour": 6, "minute": 34}
